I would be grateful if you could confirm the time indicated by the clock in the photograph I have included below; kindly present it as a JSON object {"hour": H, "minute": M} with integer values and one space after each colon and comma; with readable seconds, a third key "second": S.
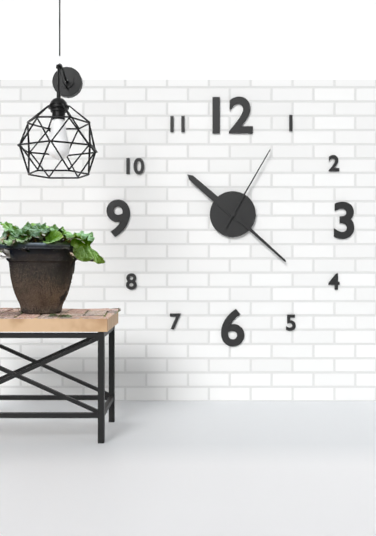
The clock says {"hour": 10, "minute": 22, "second": 5}
